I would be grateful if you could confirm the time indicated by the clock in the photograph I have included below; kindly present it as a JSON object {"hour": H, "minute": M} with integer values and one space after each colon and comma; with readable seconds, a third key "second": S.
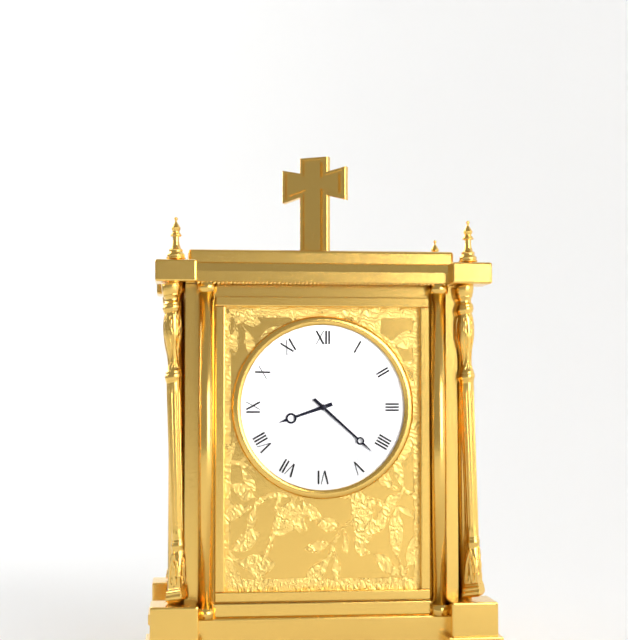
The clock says {"hour": 8, "minute": 22}
